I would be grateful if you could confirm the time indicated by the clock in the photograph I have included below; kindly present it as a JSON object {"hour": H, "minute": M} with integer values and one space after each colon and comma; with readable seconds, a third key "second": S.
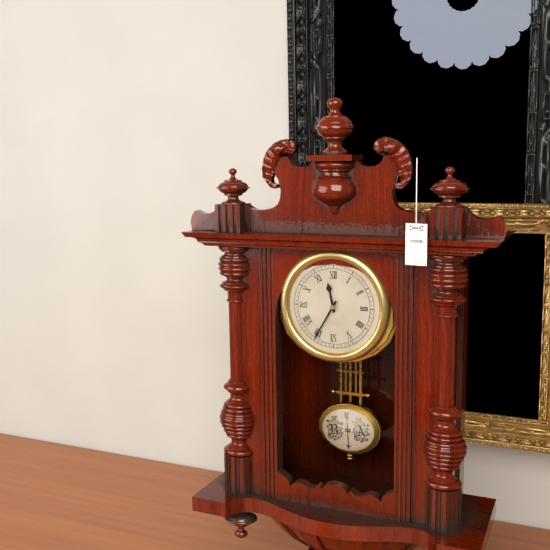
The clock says {"hour": 11, "minute": 35}
